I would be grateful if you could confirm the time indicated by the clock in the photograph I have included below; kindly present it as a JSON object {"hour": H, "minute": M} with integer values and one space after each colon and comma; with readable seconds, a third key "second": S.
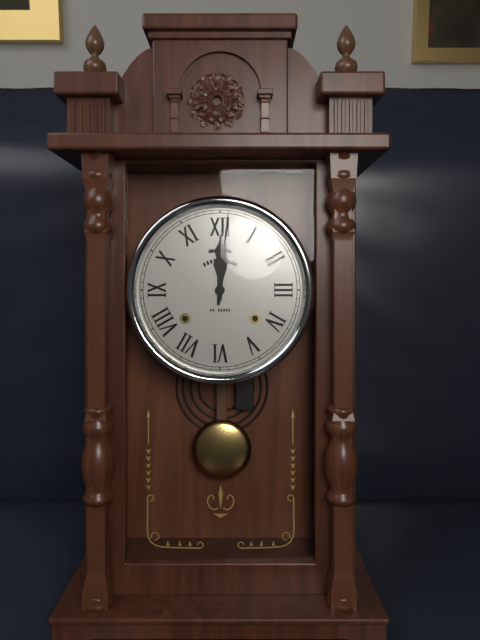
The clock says {"hour": 12, "minute": 1}
